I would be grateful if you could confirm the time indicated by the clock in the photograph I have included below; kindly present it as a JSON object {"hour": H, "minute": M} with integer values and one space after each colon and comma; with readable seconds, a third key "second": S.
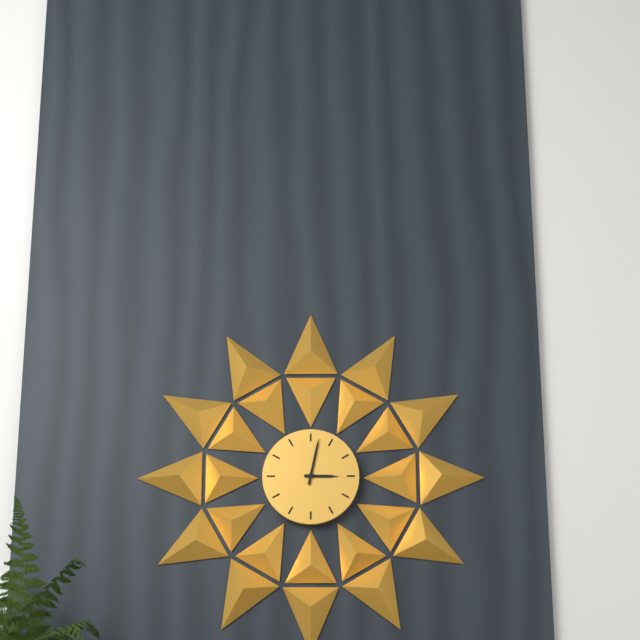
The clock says {"hour": 3, "minute": 2}
